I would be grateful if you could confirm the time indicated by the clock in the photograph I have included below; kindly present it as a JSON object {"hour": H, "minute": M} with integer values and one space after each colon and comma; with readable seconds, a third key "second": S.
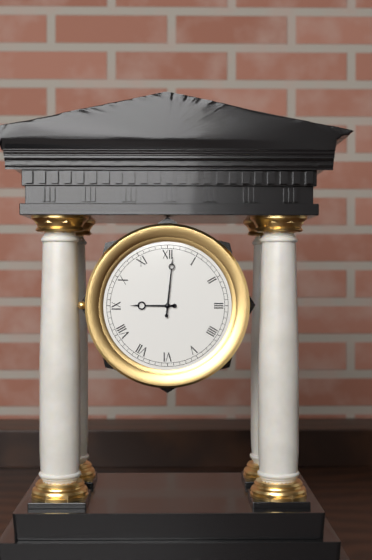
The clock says {"hour": 9, "minute": 1}
